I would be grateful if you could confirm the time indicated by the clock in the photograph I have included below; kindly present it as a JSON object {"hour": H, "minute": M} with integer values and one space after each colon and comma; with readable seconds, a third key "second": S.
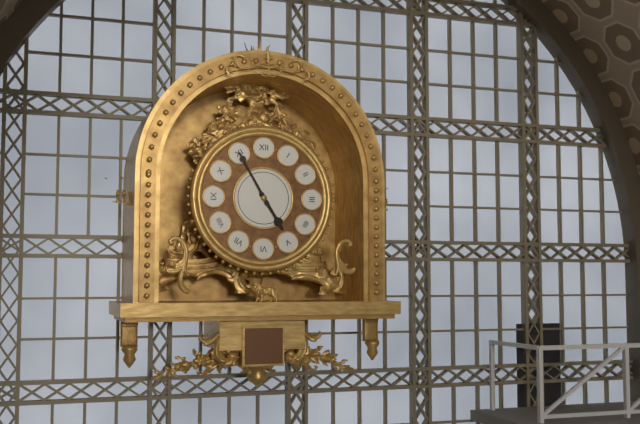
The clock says {"hour": 4, "minute": 55}
